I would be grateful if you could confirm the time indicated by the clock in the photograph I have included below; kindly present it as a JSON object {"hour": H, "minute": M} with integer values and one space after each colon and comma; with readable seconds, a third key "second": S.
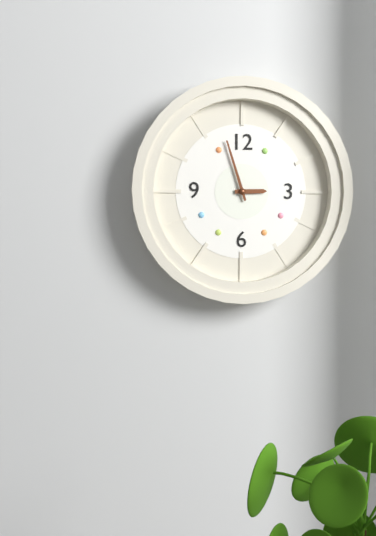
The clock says {"hour": 2, "minute": 57}
